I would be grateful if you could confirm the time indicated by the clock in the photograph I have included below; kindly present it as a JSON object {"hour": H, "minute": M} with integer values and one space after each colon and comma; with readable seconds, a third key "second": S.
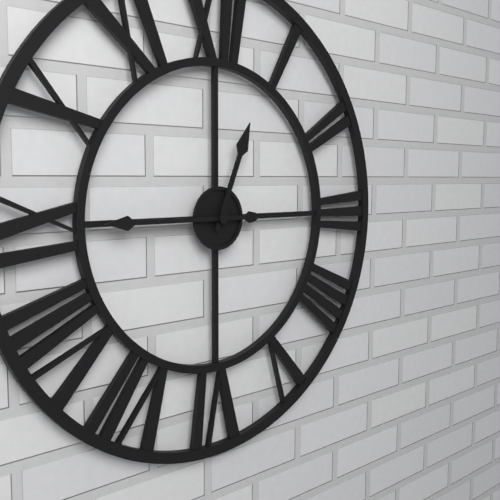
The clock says {"hour": 12, "minute": 45}
